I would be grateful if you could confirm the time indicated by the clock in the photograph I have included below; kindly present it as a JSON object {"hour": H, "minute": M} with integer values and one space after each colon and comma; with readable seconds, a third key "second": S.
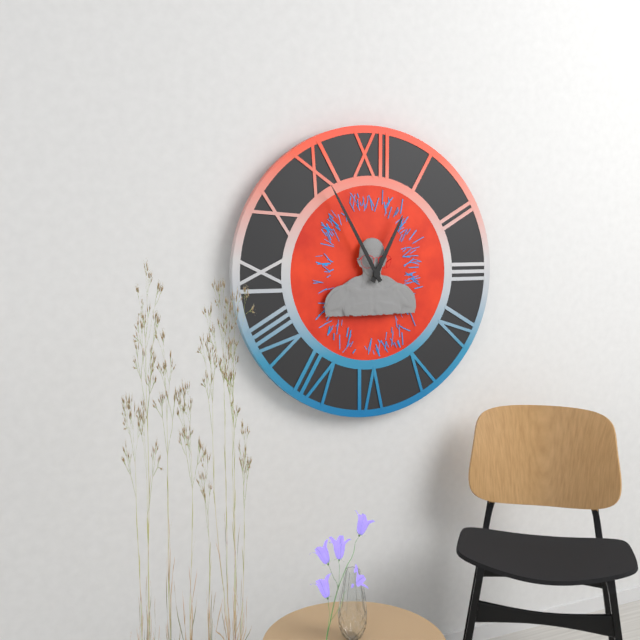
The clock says {"hour": 12, "minute": 55}
